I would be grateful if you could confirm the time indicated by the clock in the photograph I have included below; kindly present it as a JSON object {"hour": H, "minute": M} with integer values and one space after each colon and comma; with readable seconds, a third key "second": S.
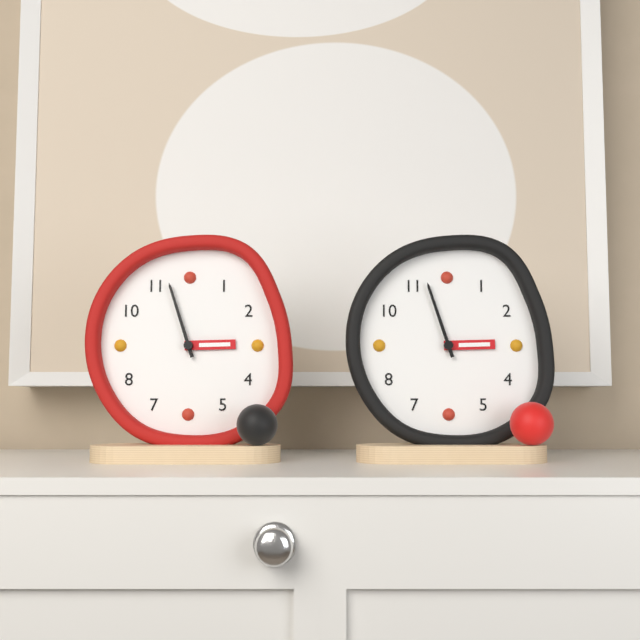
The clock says {"hour": 2, "minute": 57}
